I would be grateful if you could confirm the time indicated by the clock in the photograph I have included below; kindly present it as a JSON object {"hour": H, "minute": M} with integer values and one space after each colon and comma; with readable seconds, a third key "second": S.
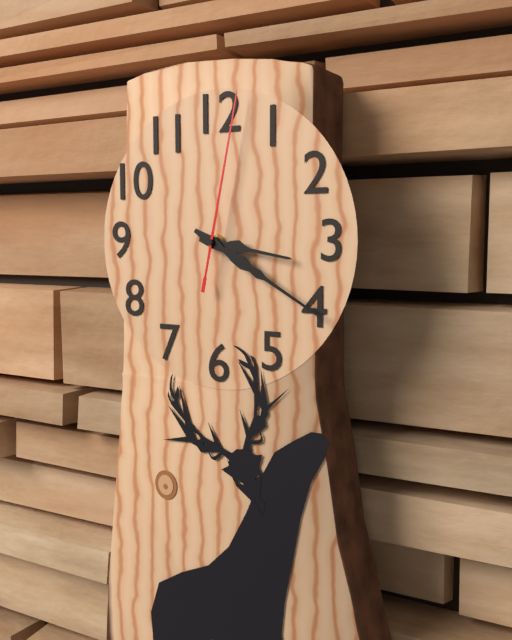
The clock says {"hour": 3, "minute": 20, "second": 2}
